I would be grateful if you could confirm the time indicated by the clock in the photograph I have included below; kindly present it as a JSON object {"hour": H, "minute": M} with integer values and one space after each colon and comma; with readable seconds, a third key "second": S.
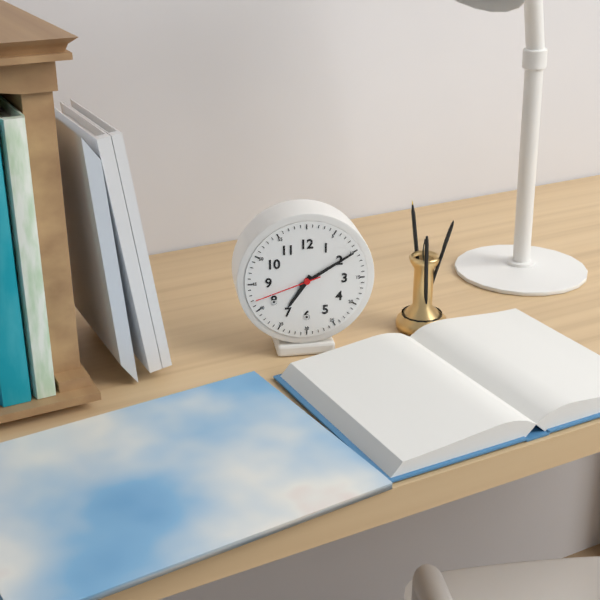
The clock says {"hour": 7, "minute": 10, "second": 42}
